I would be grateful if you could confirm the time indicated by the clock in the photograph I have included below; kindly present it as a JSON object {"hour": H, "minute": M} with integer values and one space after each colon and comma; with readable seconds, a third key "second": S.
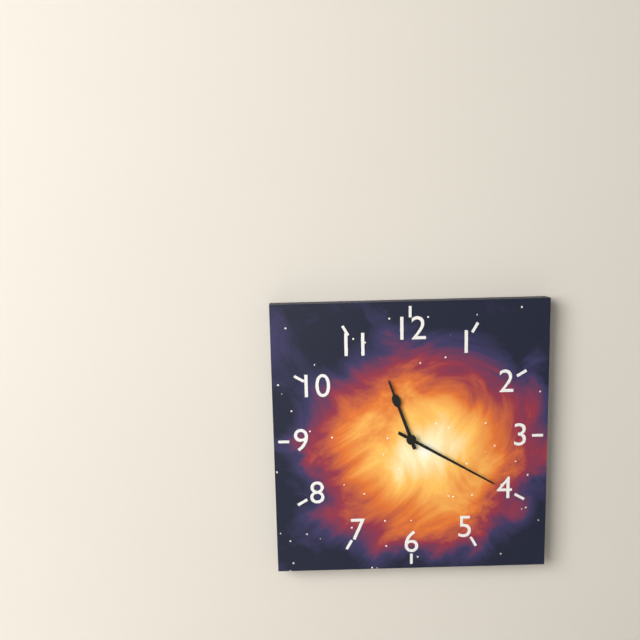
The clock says {"hour": 11, "minute": 20}
